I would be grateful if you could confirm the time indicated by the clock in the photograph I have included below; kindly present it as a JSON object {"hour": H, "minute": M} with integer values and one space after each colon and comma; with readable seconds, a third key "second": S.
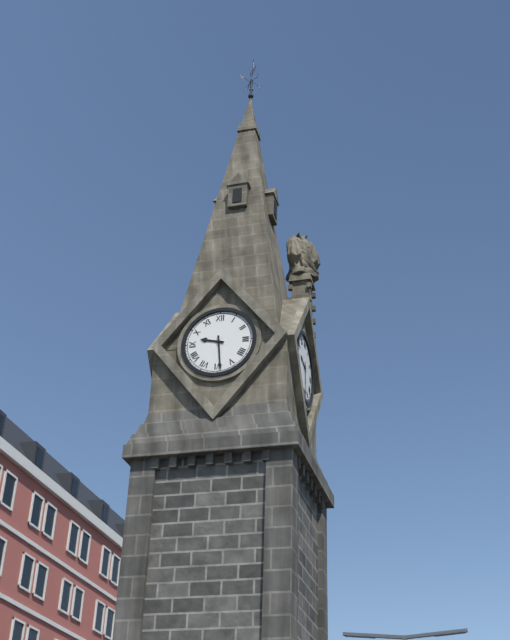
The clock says {"hour": 9, "minute": 29}
